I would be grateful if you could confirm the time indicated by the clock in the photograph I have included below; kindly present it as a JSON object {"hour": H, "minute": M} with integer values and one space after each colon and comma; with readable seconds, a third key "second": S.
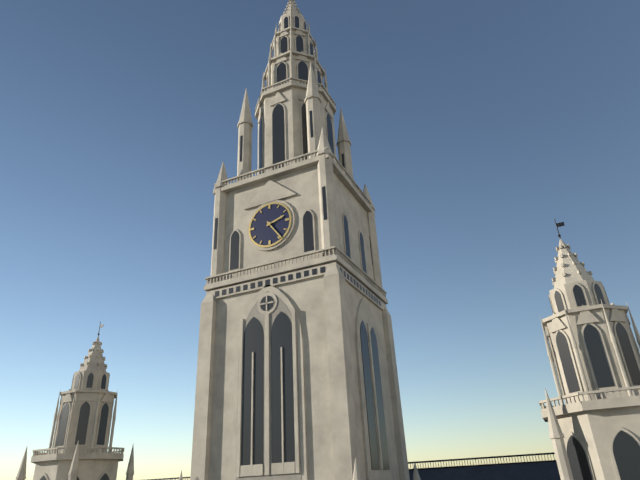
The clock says {"hour": 2, "minute": 24}
